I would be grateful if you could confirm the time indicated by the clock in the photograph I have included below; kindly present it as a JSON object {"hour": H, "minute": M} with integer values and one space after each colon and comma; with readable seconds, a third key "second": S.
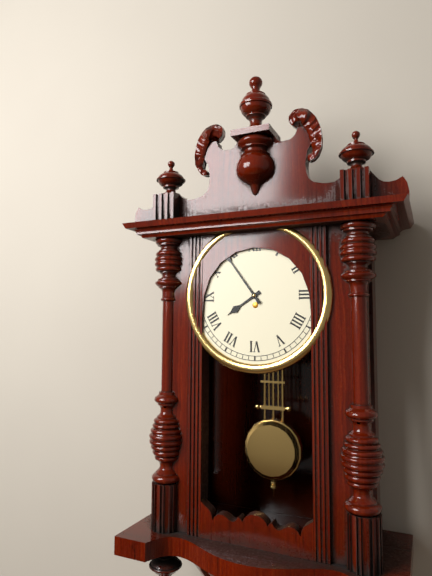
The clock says {"hour": 7, "minute": 54}
